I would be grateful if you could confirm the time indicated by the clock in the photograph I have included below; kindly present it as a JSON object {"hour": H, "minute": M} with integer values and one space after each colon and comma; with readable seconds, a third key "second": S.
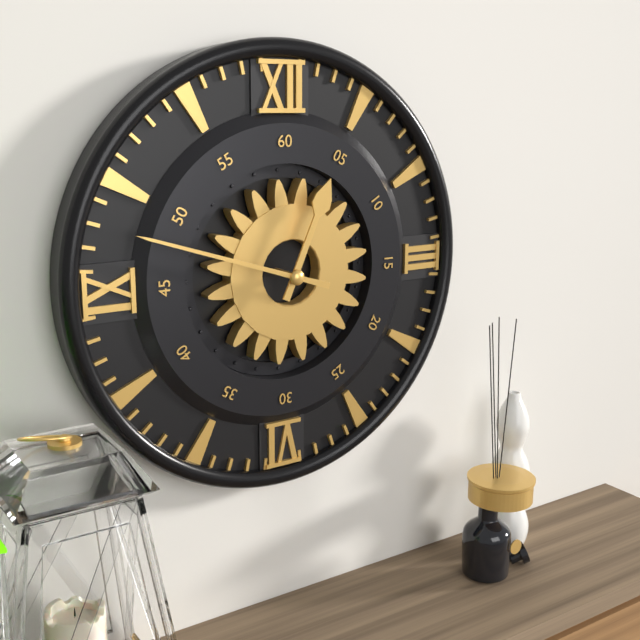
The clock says {"hour": 12, "minute": 48}
